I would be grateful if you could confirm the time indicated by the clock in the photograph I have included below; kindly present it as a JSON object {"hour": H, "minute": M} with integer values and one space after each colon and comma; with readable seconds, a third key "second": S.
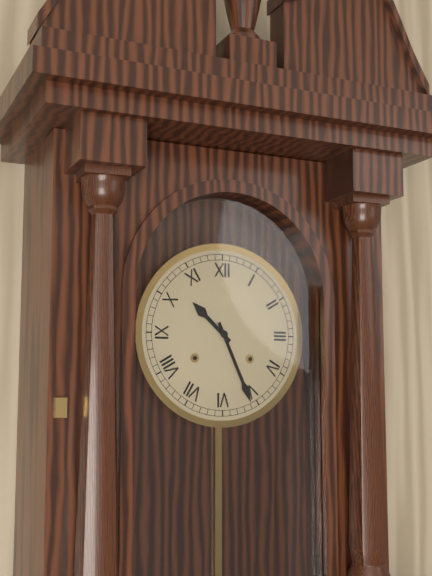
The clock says {"hour": 10, "minute": 26}
